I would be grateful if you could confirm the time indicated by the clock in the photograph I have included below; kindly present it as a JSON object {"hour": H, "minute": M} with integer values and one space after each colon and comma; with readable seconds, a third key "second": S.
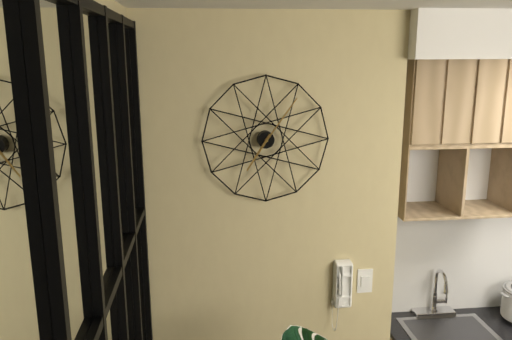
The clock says {"hour": 7, "minute": 6}
